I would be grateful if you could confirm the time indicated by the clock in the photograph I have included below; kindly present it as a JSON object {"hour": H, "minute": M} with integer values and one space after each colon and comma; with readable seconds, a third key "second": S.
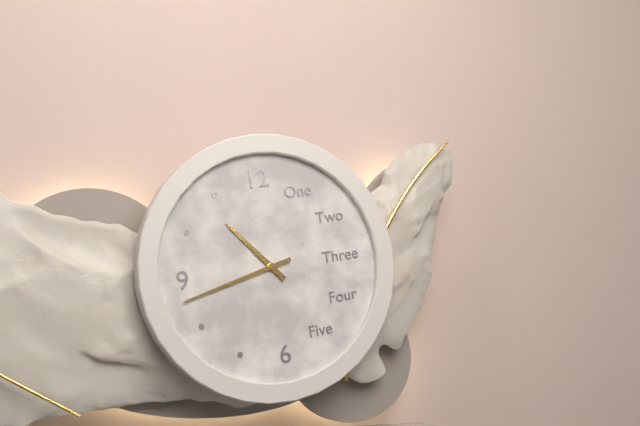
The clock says {"hour": 10, "minute": 43}
